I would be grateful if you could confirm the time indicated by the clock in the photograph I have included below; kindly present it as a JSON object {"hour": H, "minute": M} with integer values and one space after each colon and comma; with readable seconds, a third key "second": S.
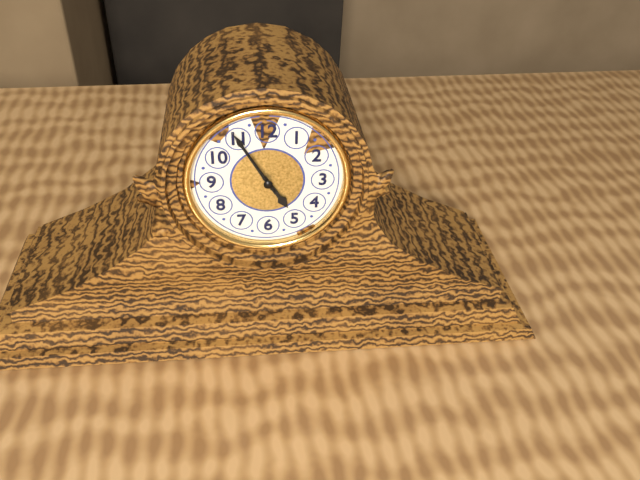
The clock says {"hour": 4, "minute": 55, "second": 55}
